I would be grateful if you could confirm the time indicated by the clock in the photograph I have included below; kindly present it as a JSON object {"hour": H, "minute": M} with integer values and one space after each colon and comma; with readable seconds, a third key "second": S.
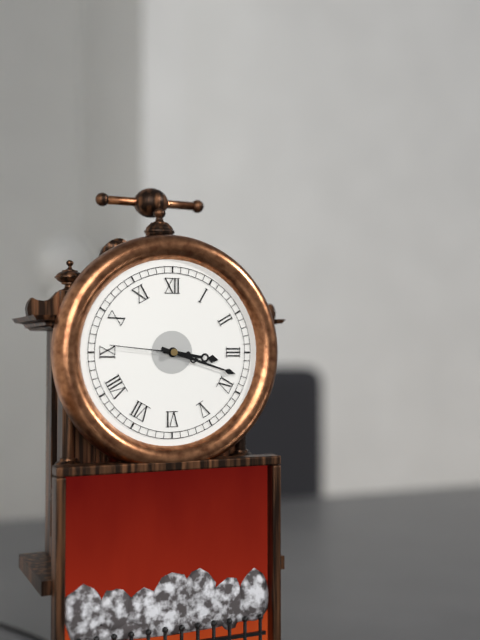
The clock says {"hour": 3, "minute": 18, "second": 46}
